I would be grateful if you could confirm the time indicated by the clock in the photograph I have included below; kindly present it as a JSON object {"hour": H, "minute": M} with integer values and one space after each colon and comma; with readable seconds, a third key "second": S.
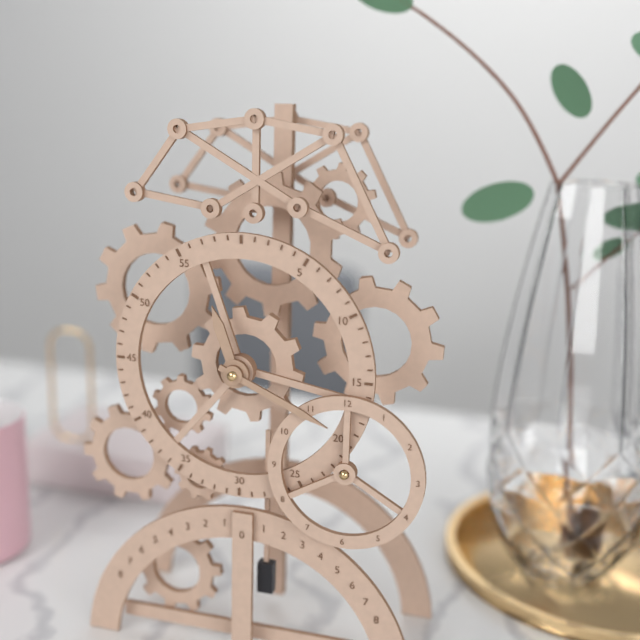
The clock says {"hour": 11, "minute": 19}
